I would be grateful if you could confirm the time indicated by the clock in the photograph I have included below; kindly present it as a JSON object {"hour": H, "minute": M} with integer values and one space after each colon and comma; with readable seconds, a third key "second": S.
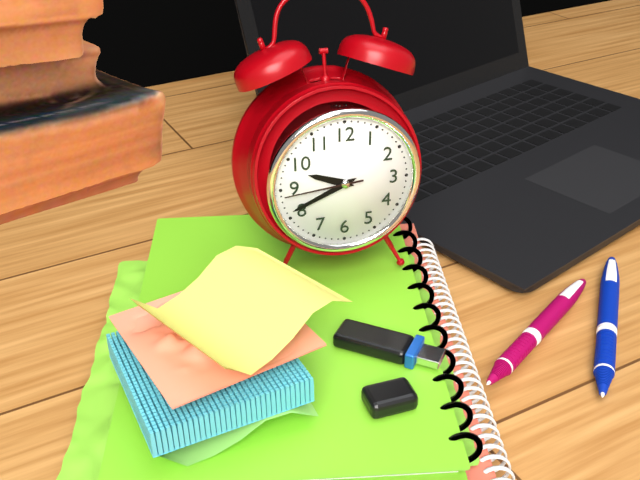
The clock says {"hour": 9, "minute": 41, "second": 44}
